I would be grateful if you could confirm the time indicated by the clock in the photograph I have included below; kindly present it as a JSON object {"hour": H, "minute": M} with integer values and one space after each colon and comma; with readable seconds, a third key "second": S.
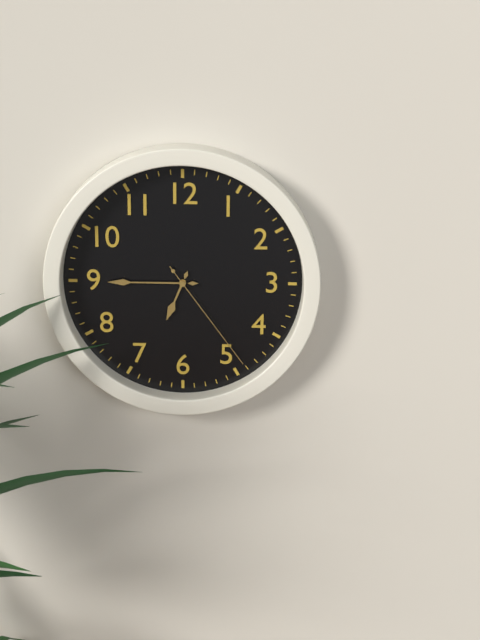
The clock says {"hour": 6, "minute": 45, "second": 24}
